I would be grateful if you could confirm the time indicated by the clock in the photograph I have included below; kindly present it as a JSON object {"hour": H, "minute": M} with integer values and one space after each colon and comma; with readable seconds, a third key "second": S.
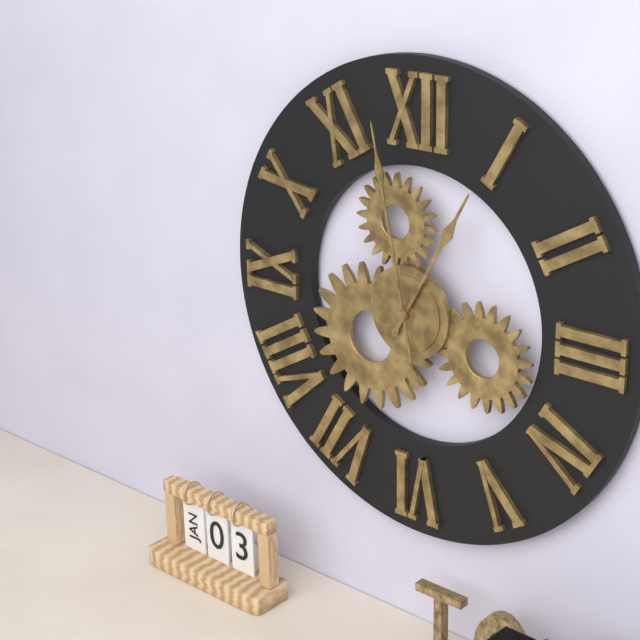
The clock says {"hour": 12, "minute": 58}
